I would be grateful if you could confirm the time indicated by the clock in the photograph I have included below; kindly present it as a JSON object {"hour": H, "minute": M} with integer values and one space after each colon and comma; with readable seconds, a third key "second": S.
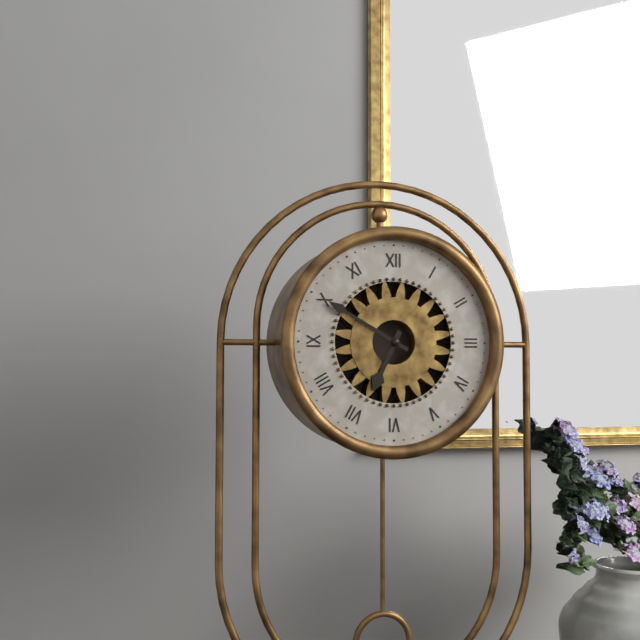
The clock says {"hour": 6, "minute": 50}
